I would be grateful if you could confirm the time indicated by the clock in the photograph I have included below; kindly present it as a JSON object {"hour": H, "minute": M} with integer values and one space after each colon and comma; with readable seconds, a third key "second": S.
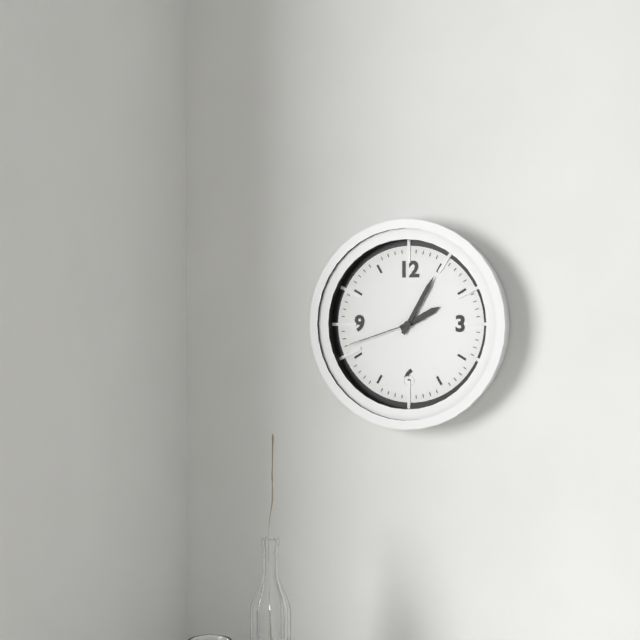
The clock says {"hour": 2, "minute": 5, "second": 42}
